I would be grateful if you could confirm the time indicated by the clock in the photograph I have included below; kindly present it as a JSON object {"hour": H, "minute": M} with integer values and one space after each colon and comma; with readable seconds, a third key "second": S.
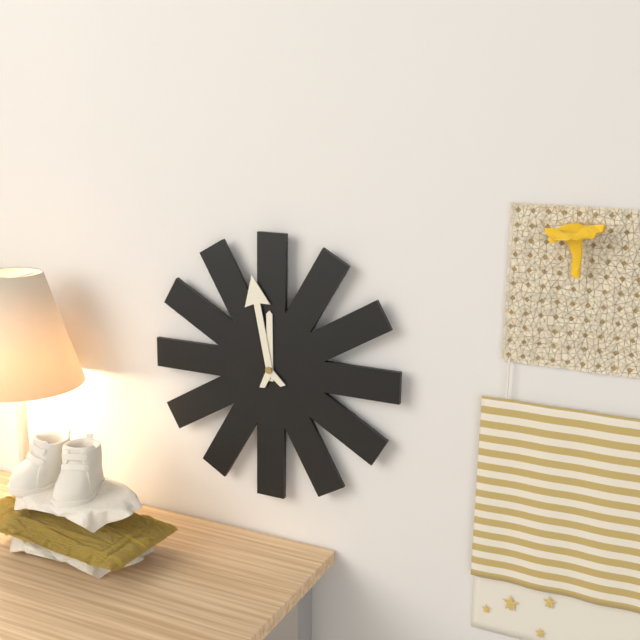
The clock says {"hour": 11, "minute": 58}
